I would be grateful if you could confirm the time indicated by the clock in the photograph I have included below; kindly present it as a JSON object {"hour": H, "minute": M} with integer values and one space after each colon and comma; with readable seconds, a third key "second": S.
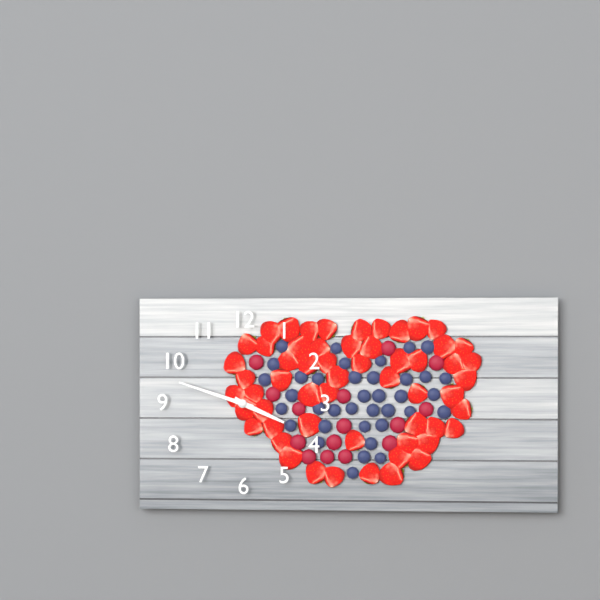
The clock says {"hour": 3, "minute": 48}
